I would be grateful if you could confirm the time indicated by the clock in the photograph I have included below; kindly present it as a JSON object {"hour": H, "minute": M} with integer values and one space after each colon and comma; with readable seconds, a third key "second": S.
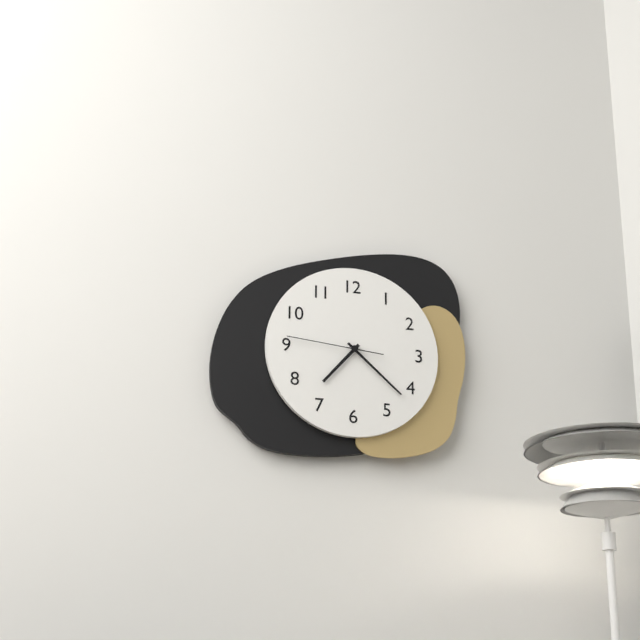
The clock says {"hour": 7, "minute": 22, "second": 46}
